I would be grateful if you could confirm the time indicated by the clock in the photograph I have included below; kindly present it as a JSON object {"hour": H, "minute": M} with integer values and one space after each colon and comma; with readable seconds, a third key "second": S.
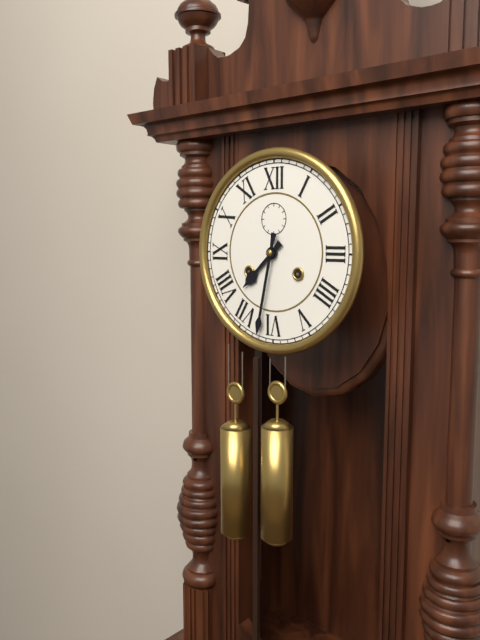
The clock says {"hour": 7, "minute": 32}
